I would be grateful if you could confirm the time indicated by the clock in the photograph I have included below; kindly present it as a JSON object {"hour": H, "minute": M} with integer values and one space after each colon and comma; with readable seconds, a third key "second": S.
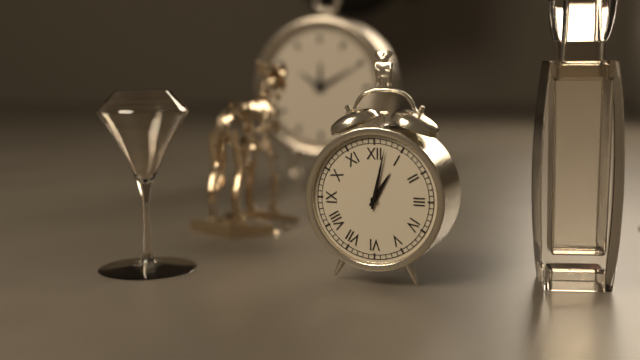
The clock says {"hour": 1, "minute": 2}
